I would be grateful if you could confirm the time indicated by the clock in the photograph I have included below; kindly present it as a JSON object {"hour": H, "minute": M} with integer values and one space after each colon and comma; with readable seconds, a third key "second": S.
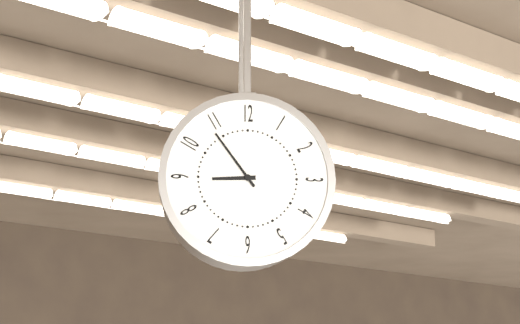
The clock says {"hour": 8, "minute": 54}
